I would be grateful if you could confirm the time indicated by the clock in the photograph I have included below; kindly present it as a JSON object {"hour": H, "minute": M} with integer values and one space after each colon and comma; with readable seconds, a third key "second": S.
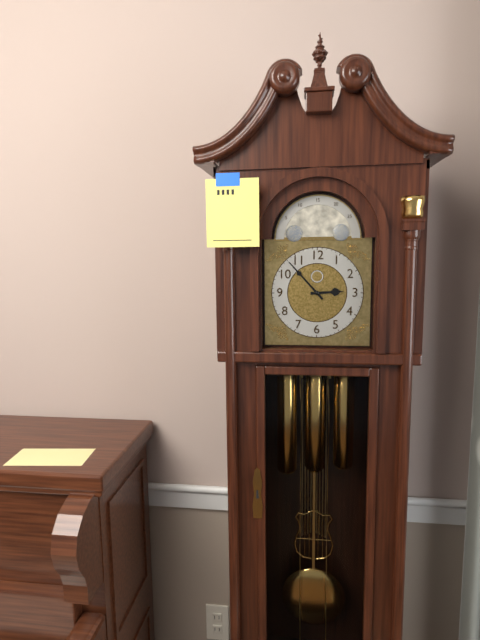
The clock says {"hour": 2, "minute": 53}
